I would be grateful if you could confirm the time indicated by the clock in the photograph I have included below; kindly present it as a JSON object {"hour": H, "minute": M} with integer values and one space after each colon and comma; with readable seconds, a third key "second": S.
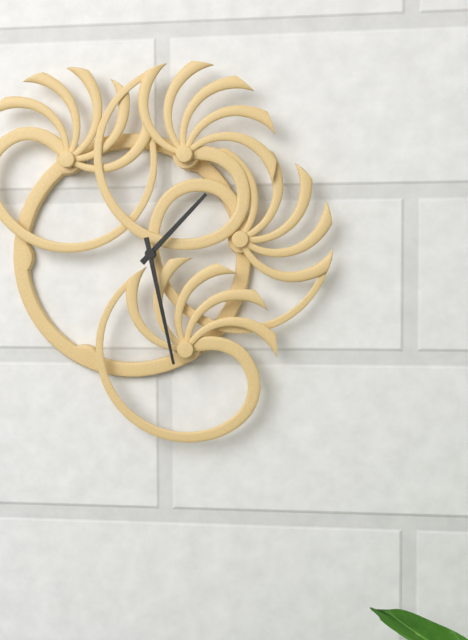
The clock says {"hour": 1, "minute": 28}
